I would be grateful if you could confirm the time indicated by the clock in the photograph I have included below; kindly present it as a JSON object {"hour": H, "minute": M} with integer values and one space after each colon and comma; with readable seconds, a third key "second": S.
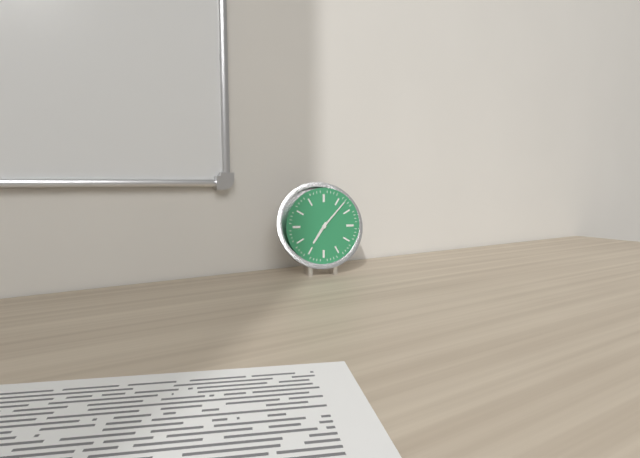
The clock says {"hour": 7, "minute": 7}
